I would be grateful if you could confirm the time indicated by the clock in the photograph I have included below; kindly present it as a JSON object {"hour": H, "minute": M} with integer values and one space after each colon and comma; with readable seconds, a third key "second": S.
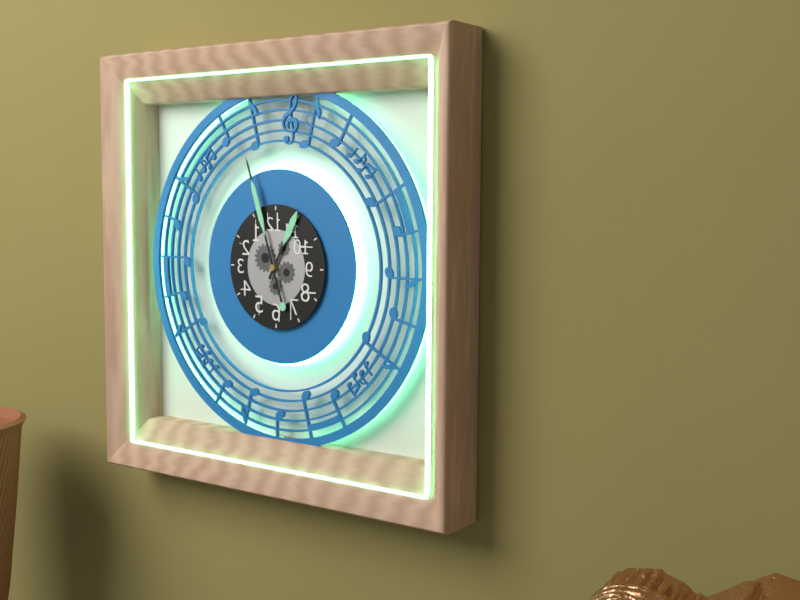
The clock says {"hour": 12, "minute": 57}
